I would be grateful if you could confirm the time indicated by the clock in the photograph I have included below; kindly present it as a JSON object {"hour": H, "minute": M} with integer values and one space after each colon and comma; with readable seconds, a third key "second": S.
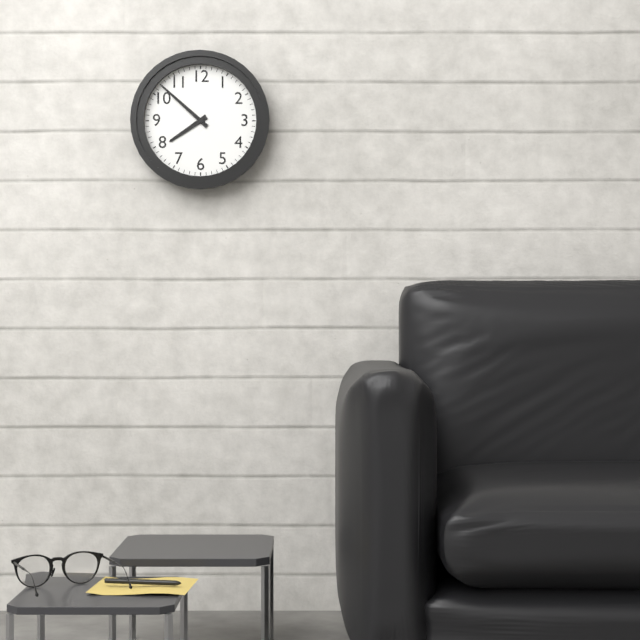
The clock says {"hour": 7, "minute": 52}
